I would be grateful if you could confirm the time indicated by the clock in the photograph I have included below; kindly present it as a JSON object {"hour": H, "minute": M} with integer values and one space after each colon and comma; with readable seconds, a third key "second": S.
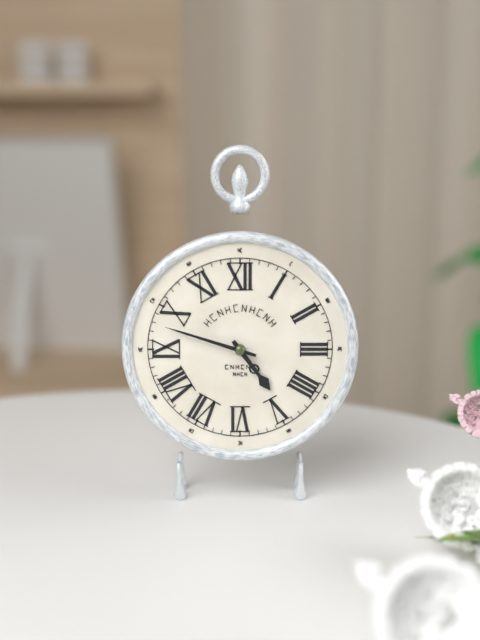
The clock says {"hour": 4, "minute": 48}
